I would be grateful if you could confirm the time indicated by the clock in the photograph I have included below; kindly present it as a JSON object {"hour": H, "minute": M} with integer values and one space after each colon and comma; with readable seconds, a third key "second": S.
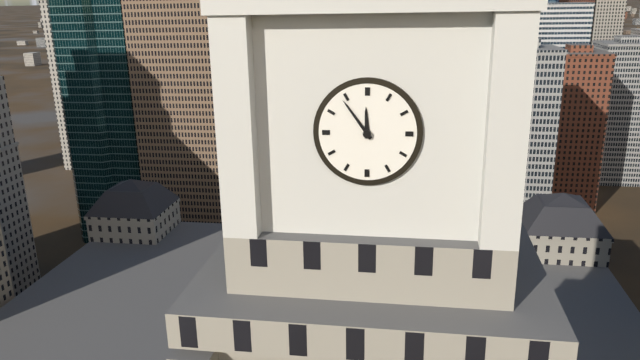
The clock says {"hour": 11, "minute": 54}
